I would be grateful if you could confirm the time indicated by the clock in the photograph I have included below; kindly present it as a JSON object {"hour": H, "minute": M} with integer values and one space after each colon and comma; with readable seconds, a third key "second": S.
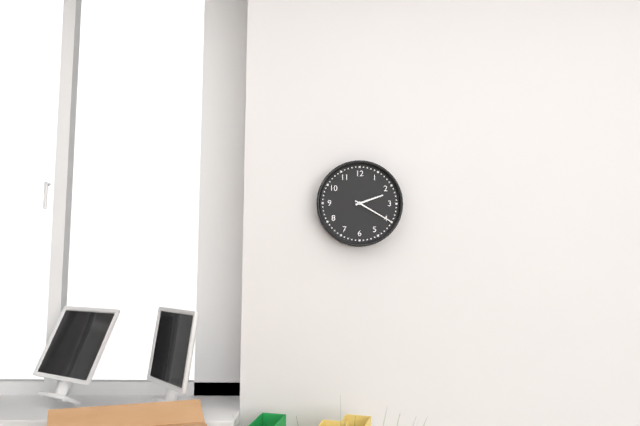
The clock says {"hour": 2, "minute": 20}
